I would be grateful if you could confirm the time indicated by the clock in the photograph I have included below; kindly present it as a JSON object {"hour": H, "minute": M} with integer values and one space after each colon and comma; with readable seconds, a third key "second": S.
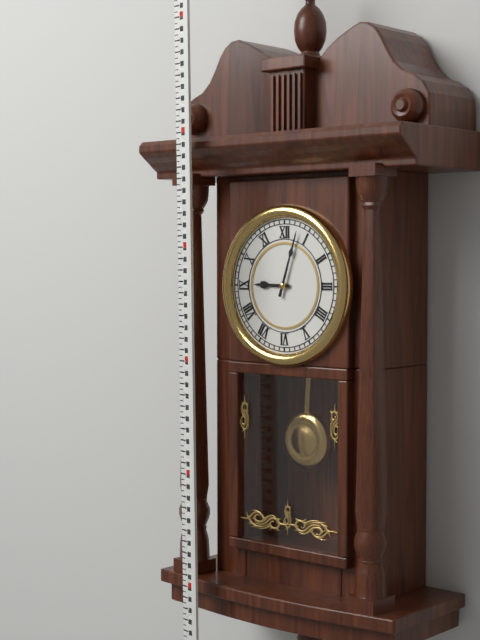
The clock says {"hour": 9, "minute": 3}
